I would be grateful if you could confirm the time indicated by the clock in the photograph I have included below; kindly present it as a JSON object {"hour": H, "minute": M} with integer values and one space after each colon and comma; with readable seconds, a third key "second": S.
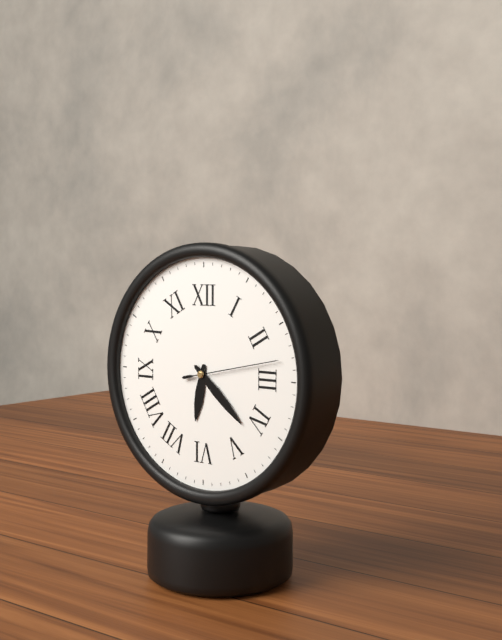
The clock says {"hour": 6, "minute": 22, "second": 13}
